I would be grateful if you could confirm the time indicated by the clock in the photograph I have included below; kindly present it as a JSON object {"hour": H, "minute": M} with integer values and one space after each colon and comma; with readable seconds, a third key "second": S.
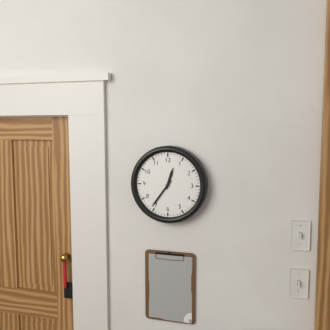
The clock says {"hour": 12, "minute": 36}
